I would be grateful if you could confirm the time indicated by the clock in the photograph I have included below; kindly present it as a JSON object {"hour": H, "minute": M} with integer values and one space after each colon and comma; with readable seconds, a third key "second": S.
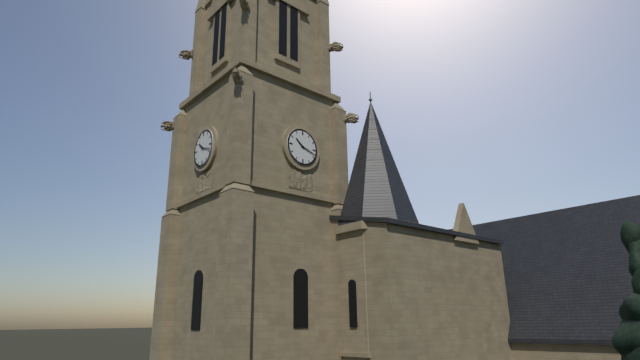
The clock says {"hour": 10, "minute": 18}
